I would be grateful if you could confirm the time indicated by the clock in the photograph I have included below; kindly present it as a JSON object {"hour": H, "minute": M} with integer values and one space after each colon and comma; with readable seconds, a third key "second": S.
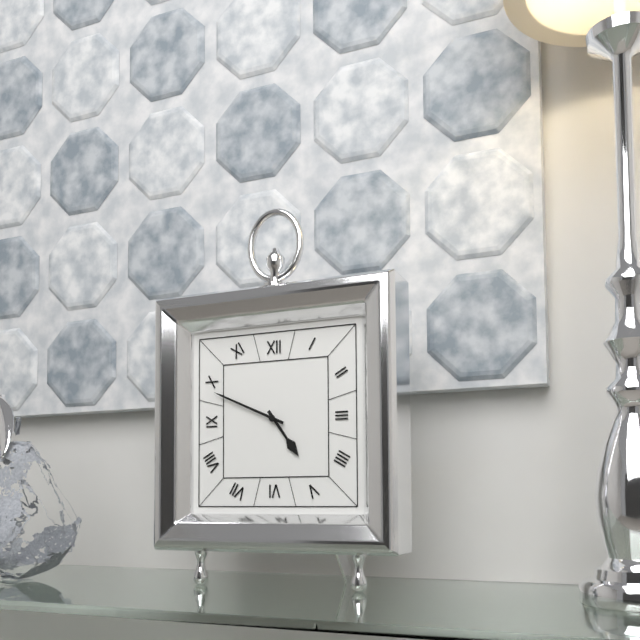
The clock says {"hour": 4, "minute": 49}
